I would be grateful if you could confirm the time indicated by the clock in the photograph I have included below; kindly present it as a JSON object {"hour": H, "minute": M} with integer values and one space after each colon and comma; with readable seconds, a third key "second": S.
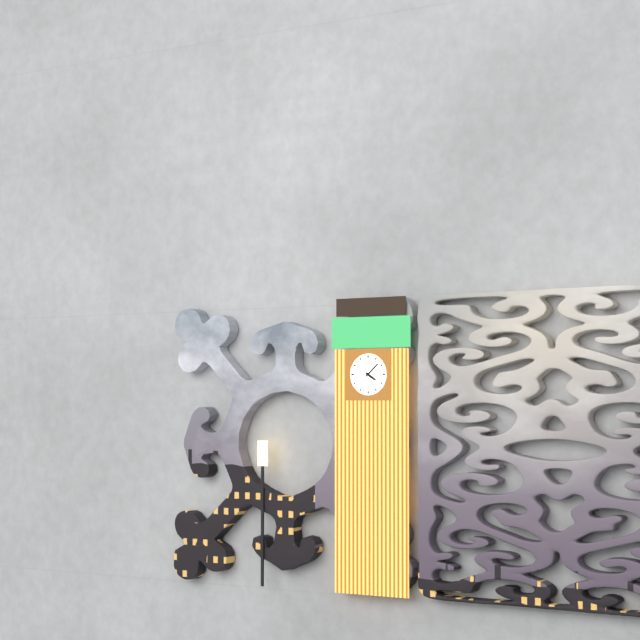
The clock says {"hour": 4, "minute": 8}
